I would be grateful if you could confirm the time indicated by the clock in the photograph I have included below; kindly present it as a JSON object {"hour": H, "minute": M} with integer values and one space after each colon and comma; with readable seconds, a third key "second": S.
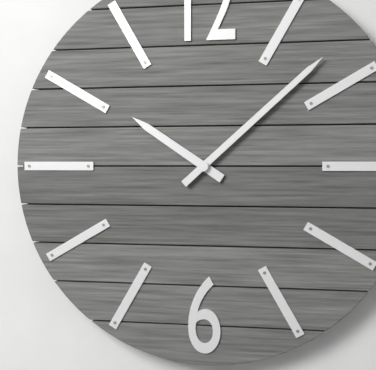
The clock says {"hour": 10, "minute": 8}
